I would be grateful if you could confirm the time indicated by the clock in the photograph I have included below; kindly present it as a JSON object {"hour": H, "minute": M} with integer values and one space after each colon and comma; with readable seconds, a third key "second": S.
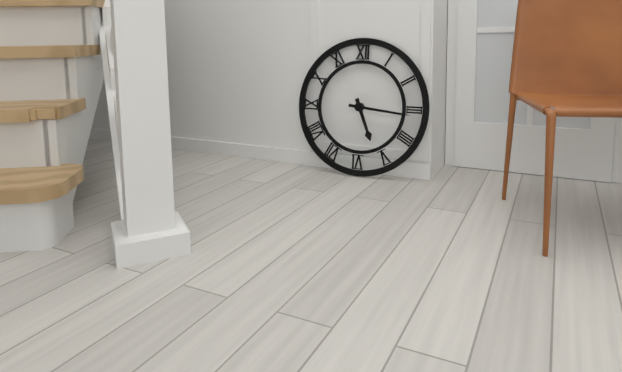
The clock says {"hour": 5, "minute": 16}
